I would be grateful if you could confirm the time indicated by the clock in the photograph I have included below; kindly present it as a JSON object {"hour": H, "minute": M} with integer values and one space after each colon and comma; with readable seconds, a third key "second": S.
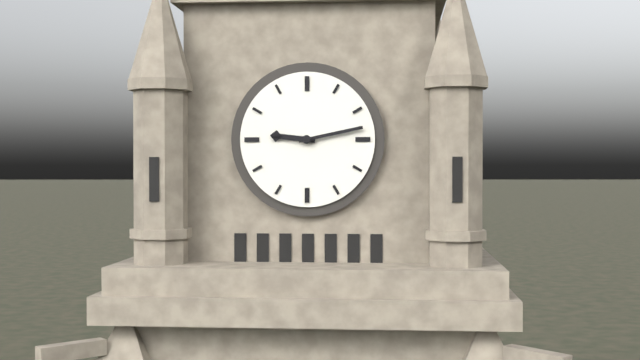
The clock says {"hour": 9, "minute": 13}
